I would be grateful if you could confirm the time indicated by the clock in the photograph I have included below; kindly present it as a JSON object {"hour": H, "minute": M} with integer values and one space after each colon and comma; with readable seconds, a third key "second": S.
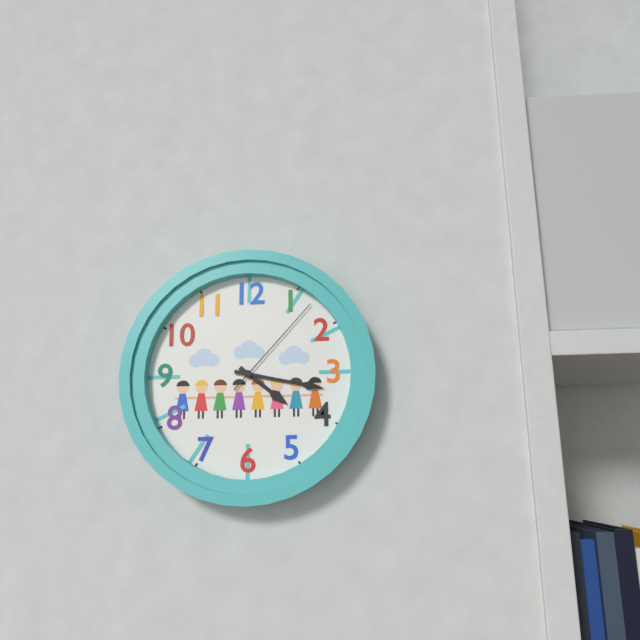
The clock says {"hour": 4, "minute": 17, "second": 7}
